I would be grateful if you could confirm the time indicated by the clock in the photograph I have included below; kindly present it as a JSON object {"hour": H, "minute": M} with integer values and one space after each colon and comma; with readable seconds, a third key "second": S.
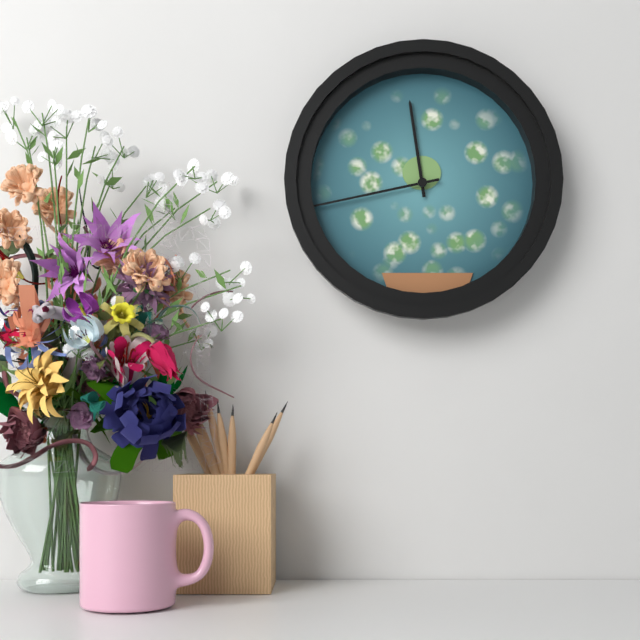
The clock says {"hour": 11, "minute": 43}
